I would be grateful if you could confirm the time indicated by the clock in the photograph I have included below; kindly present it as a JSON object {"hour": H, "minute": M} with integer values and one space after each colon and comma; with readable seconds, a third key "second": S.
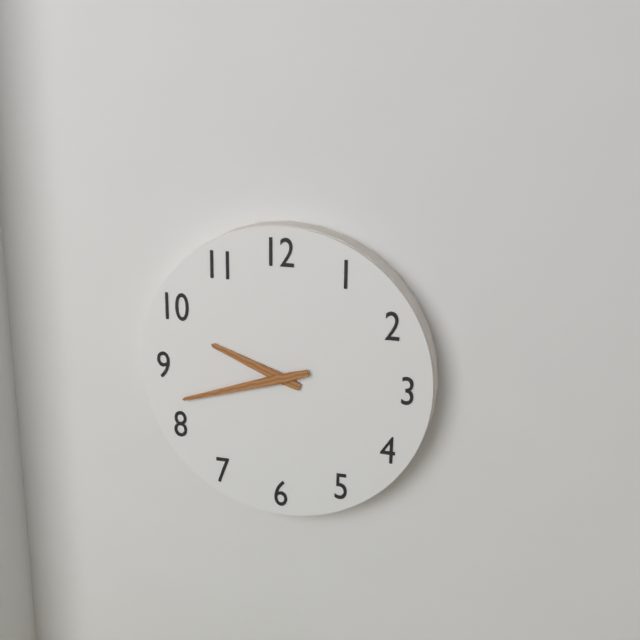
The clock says {"hour": 9, "minute": 42}
